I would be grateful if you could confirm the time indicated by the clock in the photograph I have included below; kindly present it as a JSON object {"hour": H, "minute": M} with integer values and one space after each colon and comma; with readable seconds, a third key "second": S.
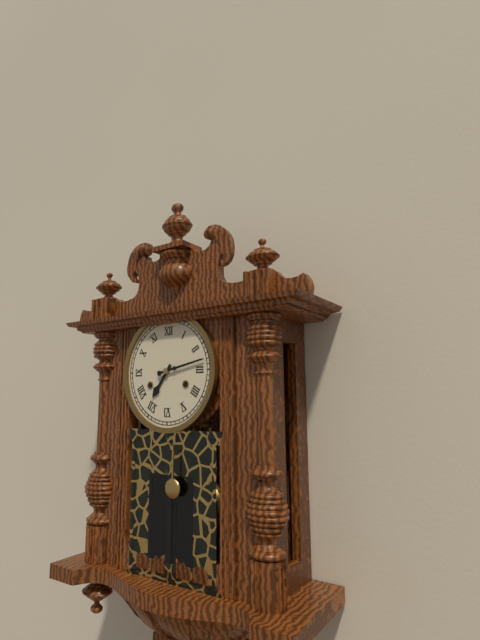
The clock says {"hour": 7, "minute": 13}
